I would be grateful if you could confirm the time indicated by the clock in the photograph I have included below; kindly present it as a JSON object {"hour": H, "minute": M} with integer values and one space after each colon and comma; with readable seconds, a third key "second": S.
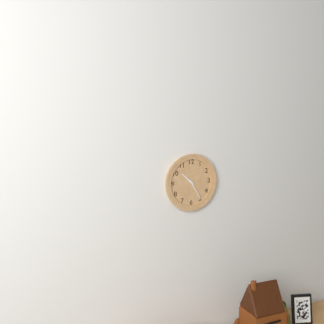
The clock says {"hour": 10, "minute": 25}
